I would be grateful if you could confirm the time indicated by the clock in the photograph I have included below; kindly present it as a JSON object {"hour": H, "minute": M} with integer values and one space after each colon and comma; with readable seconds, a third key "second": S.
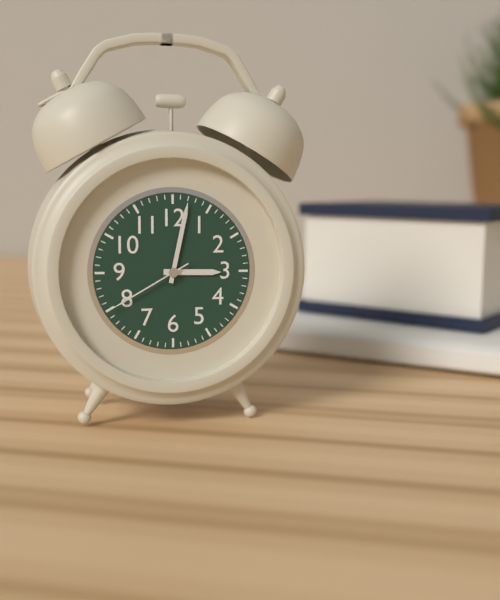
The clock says {"hour": 3, "minute": 2, "second": 40}
